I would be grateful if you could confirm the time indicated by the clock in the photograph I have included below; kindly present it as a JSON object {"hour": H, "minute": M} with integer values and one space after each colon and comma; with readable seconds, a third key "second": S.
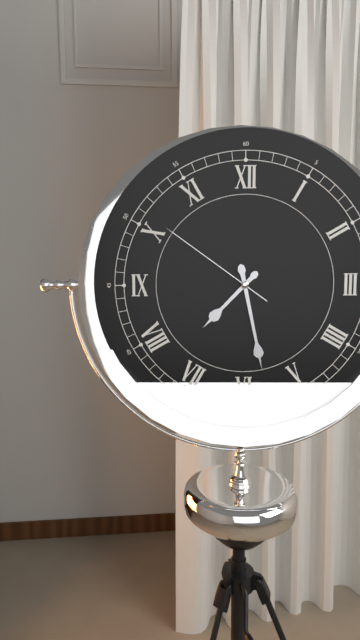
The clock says {"hour": 7, "minute": 28, "second": 51}
